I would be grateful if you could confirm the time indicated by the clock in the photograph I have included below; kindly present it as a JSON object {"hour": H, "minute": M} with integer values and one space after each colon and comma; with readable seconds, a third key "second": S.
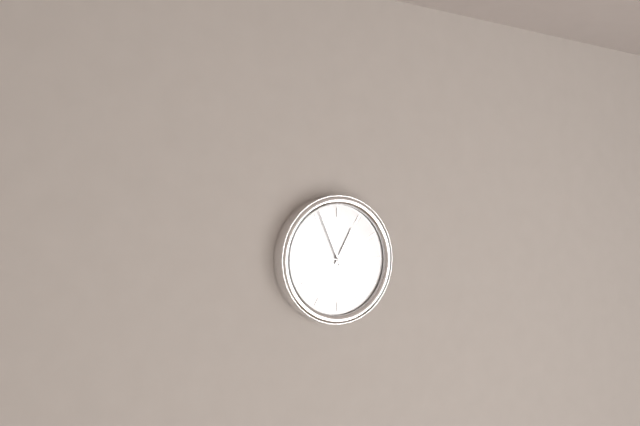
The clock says {"hour": 12, "minute": 56}
